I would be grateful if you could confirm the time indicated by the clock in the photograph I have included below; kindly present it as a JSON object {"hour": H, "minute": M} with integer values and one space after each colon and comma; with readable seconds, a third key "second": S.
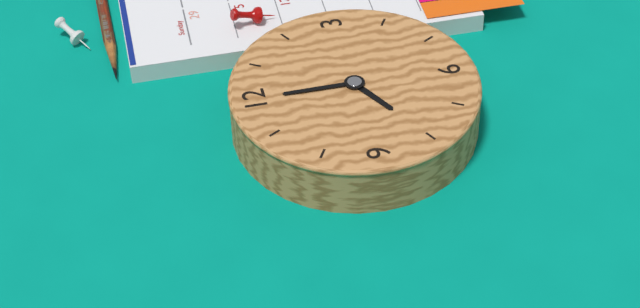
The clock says {"hour": 8, "minute": 0}
